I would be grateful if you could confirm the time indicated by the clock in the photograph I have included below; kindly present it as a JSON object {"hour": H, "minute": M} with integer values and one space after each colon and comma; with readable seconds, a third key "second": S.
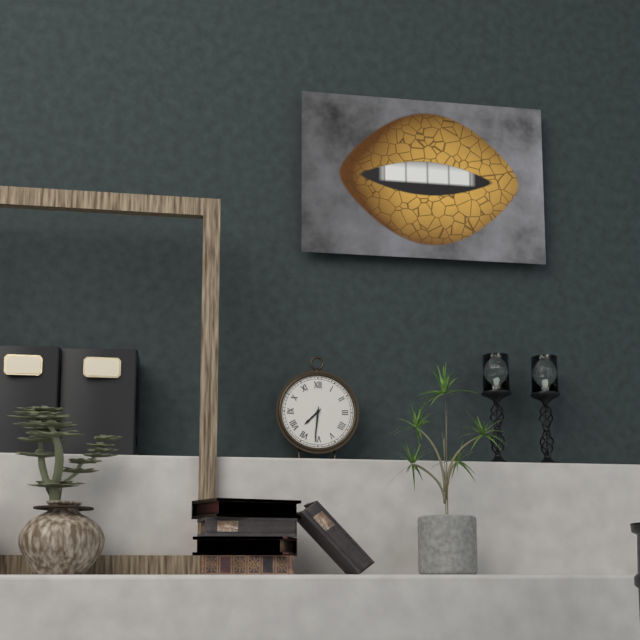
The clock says {"hour": 7, "minute": 31}
